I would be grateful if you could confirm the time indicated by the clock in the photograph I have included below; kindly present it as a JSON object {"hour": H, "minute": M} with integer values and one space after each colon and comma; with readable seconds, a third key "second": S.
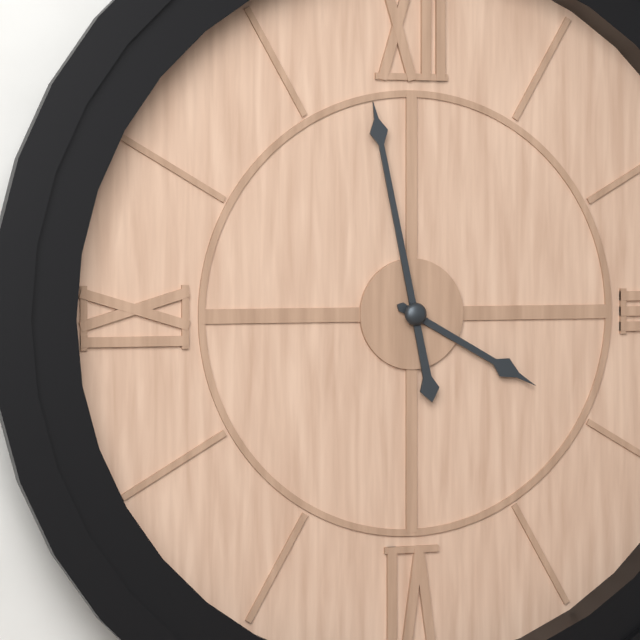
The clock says {"hour": 3, "minute": 58}
